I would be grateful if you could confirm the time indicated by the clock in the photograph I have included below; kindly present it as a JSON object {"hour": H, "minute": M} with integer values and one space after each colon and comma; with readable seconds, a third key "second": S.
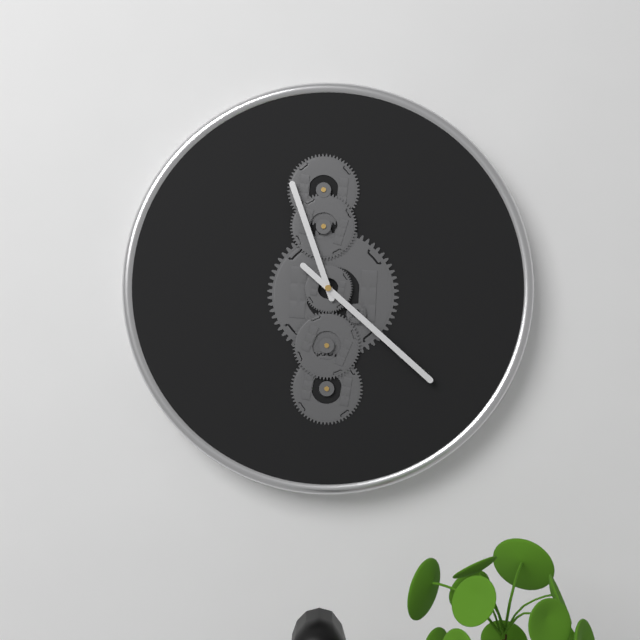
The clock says {"hour": 11, "minute": 22}
